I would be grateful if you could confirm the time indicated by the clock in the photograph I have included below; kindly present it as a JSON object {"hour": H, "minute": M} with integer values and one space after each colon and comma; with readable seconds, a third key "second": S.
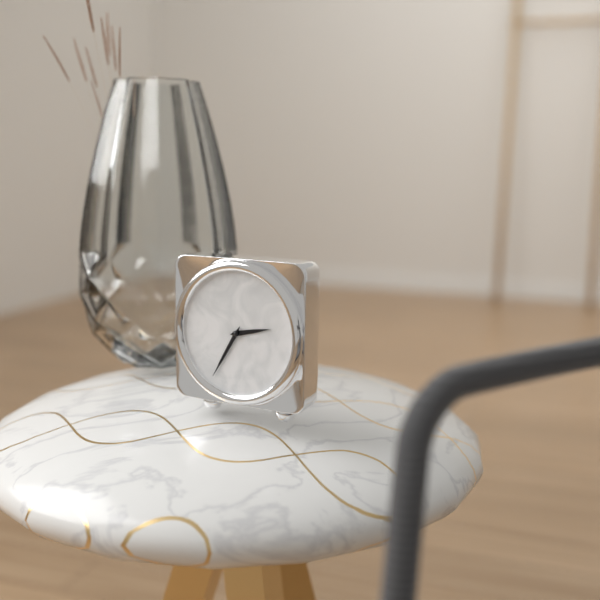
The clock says {"hour": 2, "minute": 35}
